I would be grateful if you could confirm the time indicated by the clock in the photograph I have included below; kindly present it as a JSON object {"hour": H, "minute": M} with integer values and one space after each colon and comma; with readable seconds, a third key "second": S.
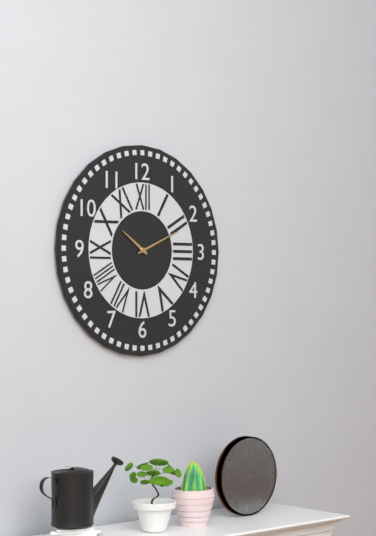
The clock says {"hour": 10, "minute": 11}
